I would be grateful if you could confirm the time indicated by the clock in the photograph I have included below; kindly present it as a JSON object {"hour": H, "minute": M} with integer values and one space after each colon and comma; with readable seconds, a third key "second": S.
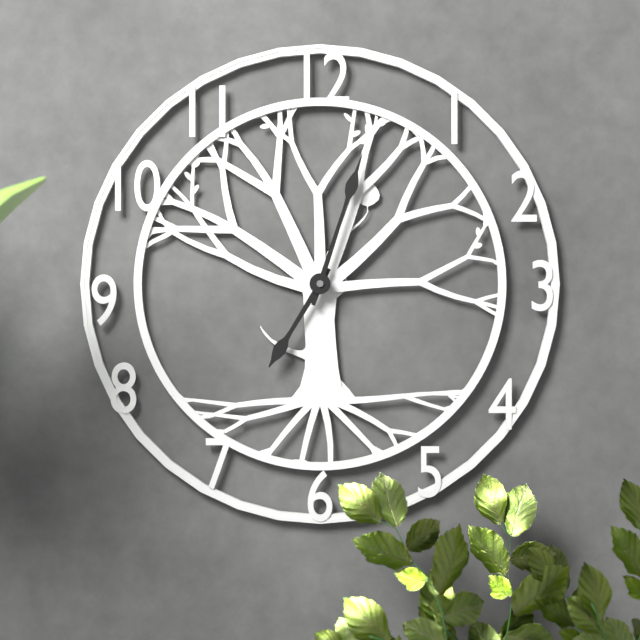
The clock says {"hour": 7, "minute": 3}
